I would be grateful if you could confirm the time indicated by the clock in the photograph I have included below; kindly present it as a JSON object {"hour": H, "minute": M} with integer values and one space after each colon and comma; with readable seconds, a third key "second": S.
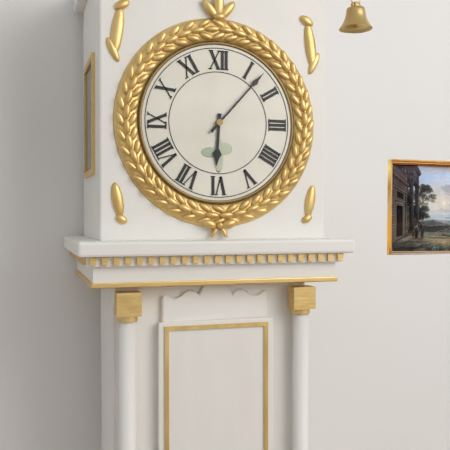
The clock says {"hour": 6, "minute": 7}
